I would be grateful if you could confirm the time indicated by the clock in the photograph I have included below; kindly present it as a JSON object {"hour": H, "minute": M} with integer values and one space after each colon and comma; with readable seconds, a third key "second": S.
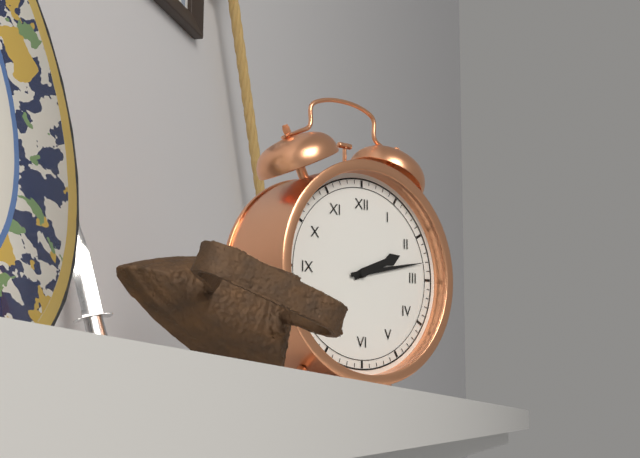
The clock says {"hour": 2, "minute": 13}
